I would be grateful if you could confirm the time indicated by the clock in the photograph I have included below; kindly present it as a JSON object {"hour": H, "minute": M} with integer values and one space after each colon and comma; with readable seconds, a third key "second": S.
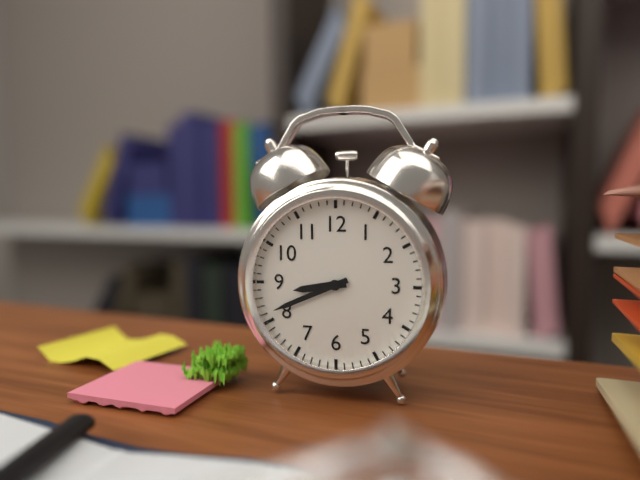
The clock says {"hour": 8, "minute": 41}
